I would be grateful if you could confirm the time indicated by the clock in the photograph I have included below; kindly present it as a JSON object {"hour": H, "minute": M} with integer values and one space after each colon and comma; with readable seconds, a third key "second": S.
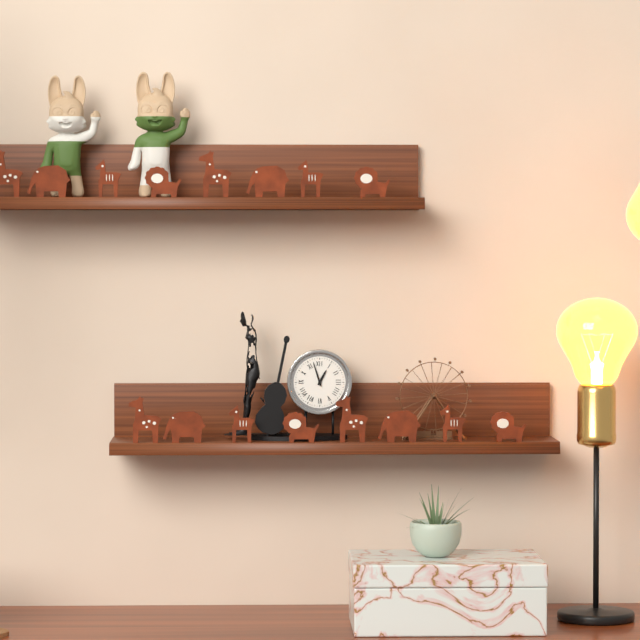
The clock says {"hour": 12, "minute": 57}
